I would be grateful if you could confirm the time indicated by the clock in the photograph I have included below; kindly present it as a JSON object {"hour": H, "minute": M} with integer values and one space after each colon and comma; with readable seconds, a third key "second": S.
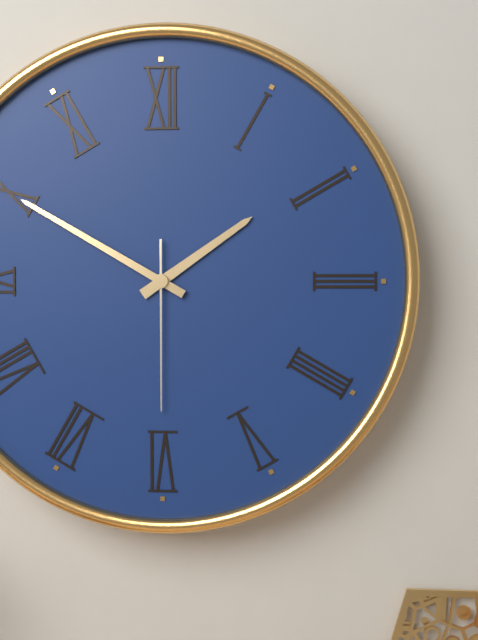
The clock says {"hour": 1, "minute": 50, "second": 30}
